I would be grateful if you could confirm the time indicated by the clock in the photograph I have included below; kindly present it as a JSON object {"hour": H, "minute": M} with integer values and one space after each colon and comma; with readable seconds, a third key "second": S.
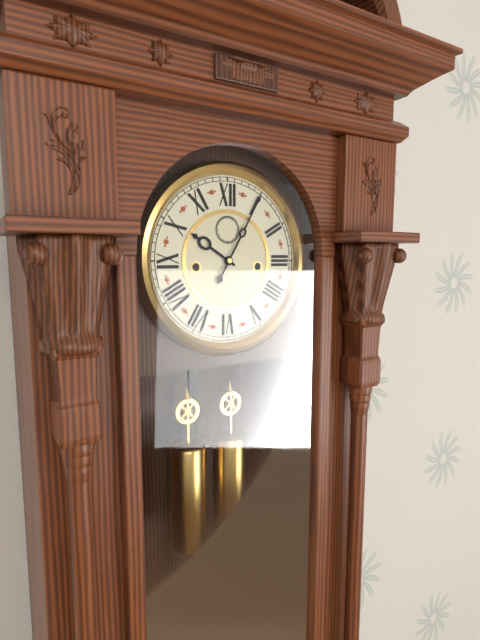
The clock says {"hour": 10, "minute": 5}
